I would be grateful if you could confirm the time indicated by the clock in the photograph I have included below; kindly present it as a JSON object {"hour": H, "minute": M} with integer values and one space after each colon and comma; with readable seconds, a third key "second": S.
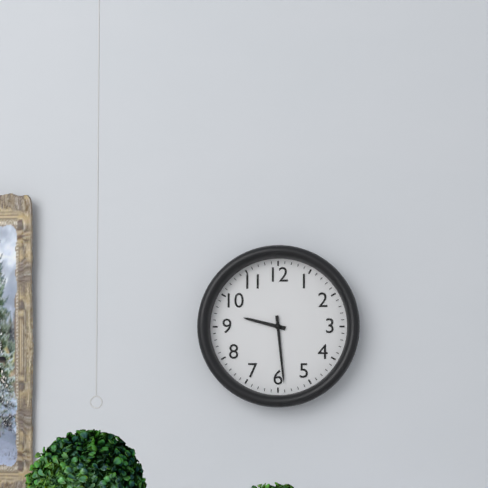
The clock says {"hour": 9, "minute": 29}
